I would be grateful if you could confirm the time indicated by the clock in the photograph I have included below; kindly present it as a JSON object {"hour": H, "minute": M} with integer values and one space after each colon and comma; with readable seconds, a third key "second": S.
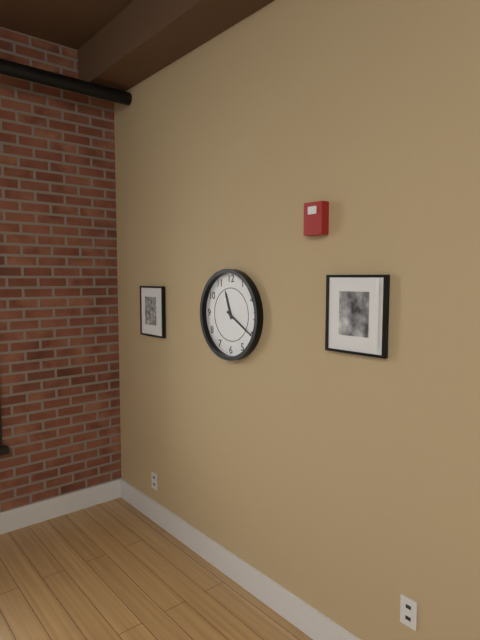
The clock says {"hour": 11, "minute": 20}
